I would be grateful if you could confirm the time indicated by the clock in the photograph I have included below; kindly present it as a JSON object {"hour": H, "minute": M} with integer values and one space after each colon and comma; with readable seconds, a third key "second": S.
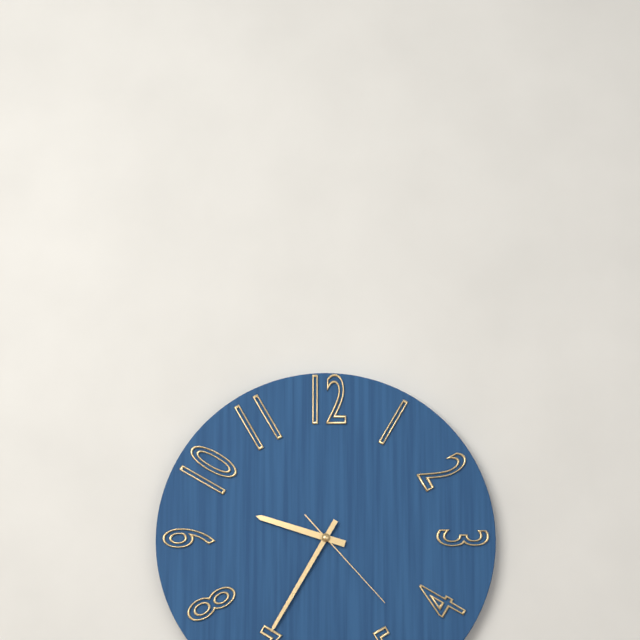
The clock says {"hour": 9, "minute": 35, "second": 23}
